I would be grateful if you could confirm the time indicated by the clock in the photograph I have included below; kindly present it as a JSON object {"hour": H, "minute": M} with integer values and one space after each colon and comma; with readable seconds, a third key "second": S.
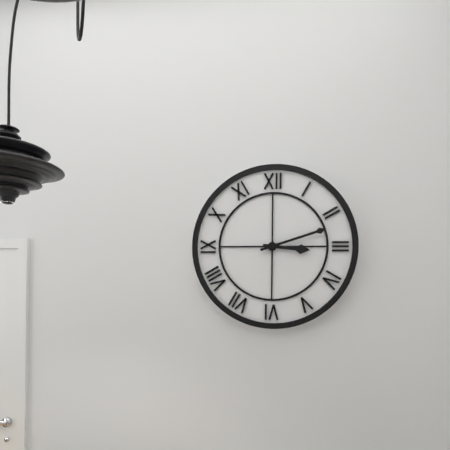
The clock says {"hour": 3, "minute": 12}
